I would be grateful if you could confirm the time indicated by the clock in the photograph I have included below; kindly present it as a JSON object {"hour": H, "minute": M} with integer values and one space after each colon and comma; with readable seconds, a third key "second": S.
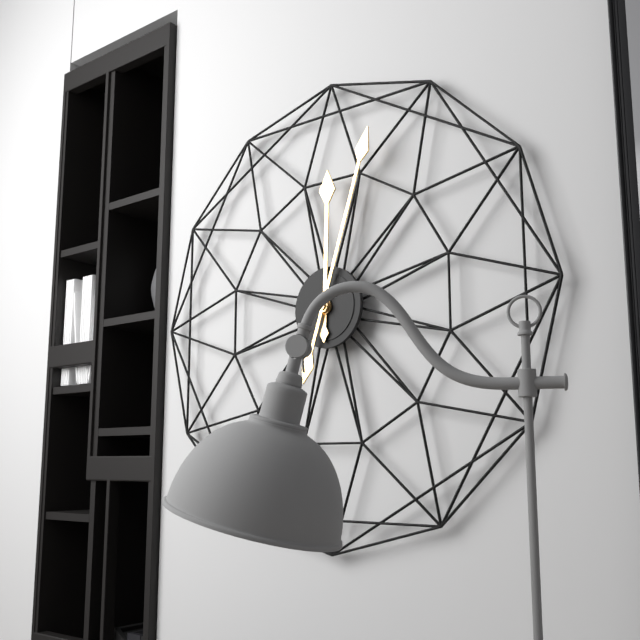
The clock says {"hour": 12, "minute": 3}
